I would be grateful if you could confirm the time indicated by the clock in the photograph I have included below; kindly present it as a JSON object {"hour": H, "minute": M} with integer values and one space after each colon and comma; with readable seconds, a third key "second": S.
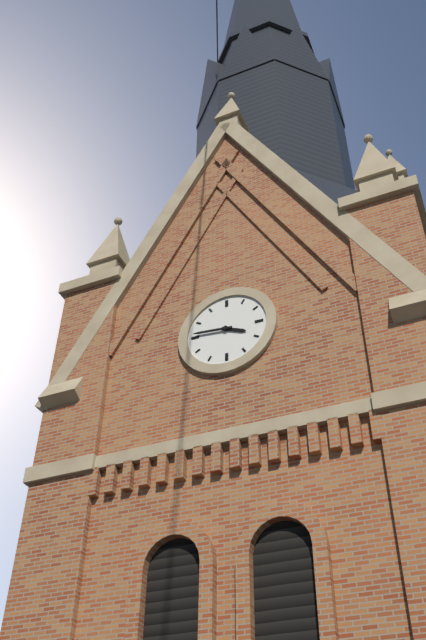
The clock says {"hour": 3, "minute": 46}
